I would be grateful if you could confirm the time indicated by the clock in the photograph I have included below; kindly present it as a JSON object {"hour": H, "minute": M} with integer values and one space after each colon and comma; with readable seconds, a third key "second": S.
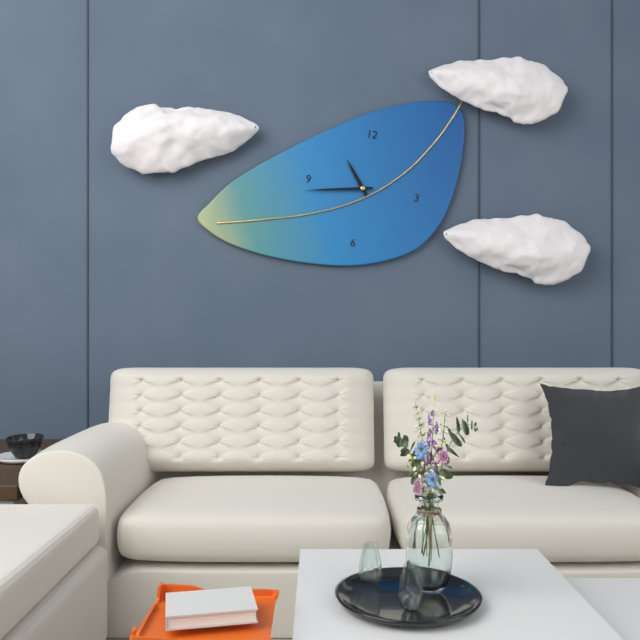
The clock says {"hour": 10, "minute": 43}
